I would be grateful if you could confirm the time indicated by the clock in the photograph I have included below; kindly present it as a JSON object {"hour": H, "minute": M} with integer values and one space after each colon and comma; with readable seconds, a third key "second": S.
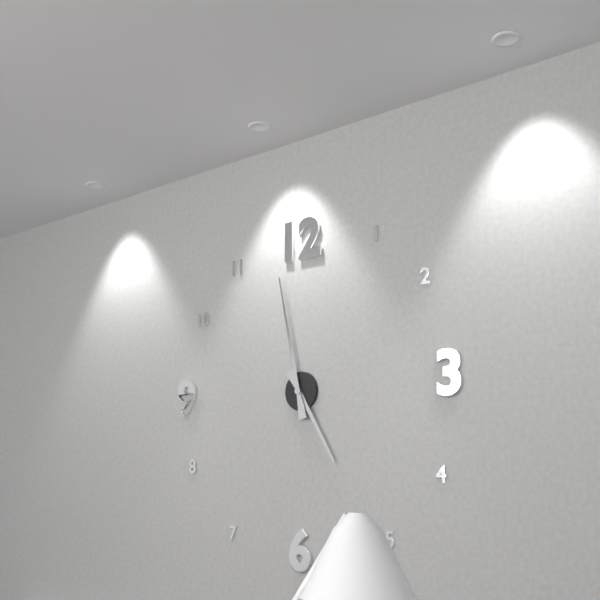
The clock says {"hour": 4, "minute": 58}
